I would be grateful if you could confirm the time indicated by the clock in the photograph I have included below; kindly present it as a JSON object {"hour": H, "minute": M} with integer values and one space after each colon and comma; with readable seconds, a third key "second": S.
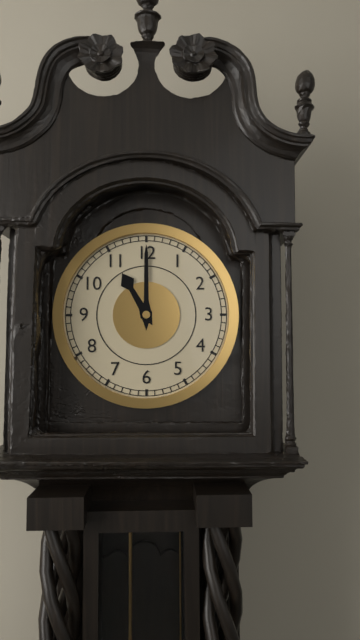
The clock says {"hour": 11, "minute": 0}
